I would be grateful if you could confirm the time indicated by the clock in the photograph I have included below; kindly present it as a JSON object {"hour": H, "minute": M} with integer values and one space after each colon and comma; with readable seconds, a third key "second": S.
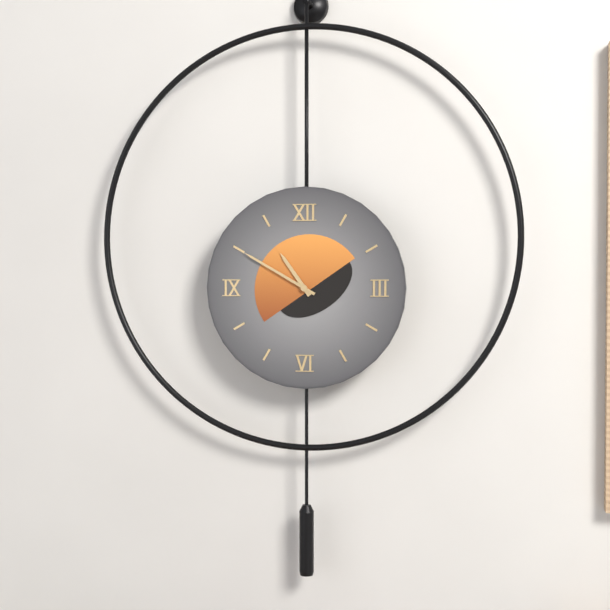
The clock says {"hour": 10, "minute": 50}
